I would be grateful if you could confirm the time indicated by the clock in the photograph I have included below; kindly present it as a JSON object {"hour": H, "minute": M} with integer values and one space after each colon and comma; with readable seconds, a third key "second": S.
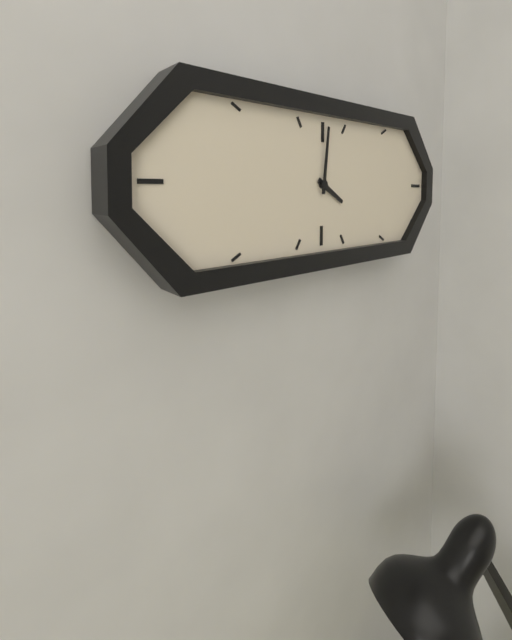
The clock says {"hour": 4, "minute": 1}
